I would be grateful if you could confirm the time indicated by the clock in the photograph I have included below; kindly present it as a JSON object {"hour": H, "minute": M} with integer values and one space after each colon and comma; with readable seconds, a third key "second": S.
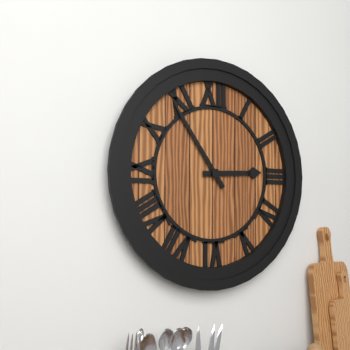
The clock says {"hour": 2, "minute": 54}
